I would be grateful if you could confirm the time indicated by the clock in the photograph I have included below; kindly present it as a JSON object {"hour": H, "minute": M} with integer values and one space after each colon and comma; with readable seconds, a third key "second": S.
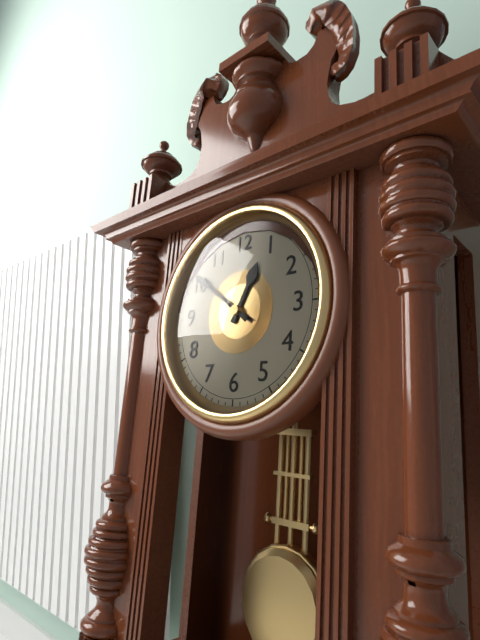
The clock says {"hour": 12, "minute": 51}
